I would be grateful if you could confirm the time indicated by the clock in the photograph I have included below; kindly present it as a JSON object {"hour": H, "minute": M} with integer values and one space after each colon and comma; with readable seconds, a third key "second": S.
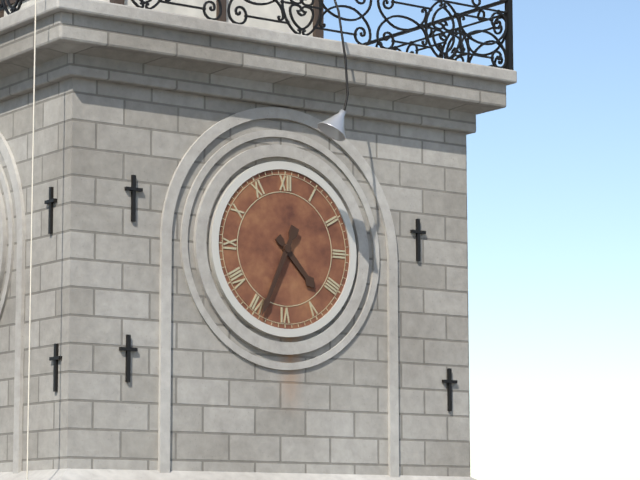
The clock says {"hour": 4, "minute": 34}
